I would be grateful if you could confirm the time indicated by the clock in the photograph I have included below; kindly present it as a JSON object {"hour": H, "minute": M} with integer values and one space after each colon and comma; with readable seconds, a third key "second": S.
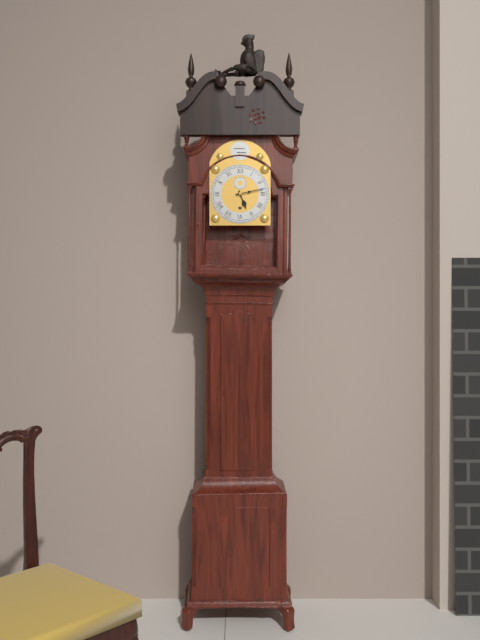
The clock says {"hour": 5, "minute": 13}
